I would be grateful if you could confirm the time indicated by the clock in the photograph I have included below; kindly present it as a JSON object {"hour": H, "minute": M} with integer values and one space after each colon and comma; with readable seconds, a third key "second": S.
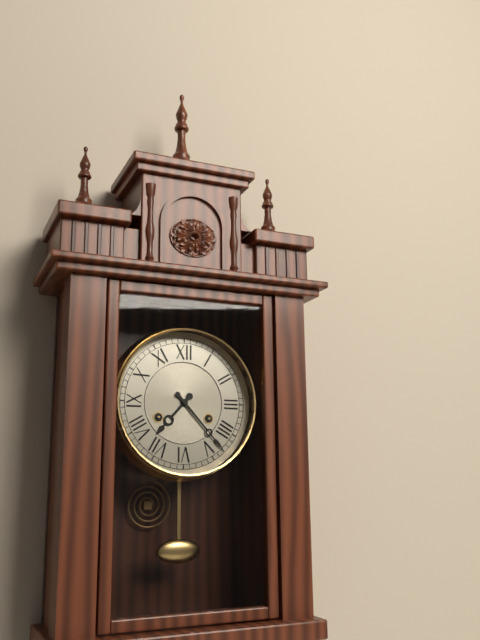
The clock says {"hour": 7, "minute": 23}
